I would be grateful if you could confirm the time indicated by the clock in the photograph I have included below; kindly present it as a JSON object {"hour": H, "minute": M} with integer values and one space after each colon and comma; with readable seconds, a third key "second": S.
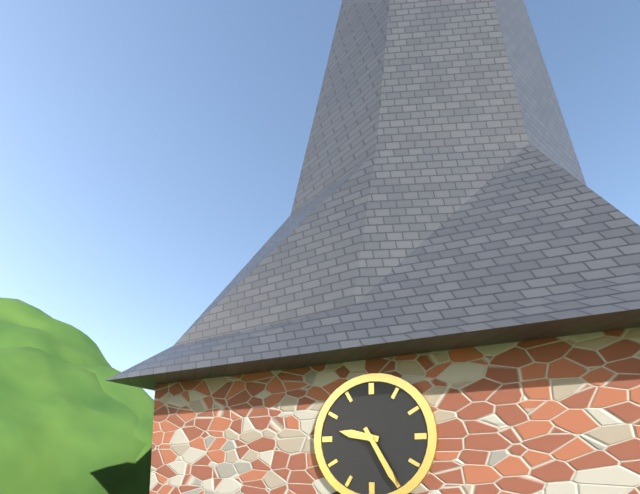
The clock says {"hour": 9, "minute": 25}
